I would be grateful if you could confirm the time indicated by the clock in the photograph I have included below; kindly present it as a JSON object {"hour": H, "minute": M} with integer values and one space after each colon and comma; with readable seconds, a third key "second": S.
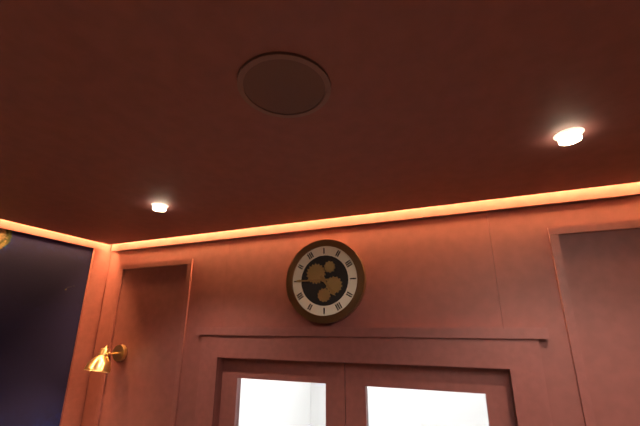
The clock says {"hour": 4, "minute": 45}
